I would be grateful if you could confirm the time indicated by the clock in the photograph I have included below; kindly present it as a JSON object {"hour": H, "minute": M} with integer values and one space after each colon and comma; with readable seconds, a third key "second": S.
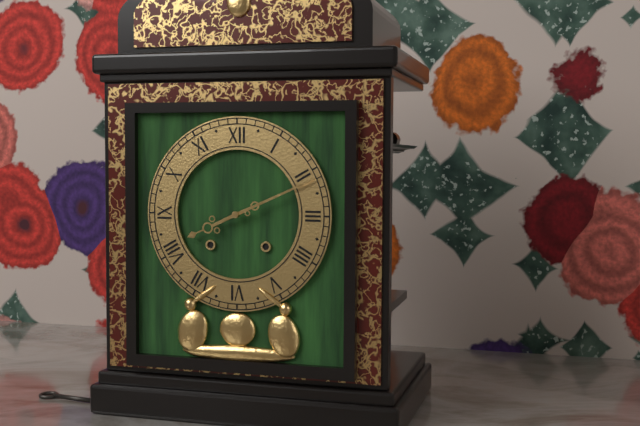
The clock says {"hour": 8, "minute": 11}
